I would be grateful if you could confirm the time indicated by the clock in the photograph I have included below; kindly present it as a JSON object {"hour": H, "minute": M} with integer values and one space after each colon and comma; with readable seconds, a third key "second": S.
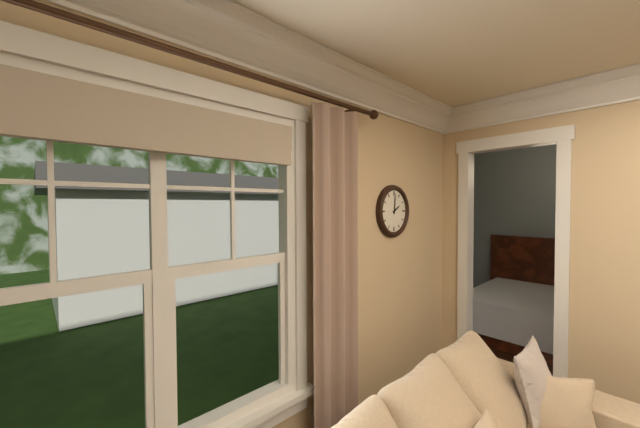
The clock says {"hour": 2, "minute": 1}
